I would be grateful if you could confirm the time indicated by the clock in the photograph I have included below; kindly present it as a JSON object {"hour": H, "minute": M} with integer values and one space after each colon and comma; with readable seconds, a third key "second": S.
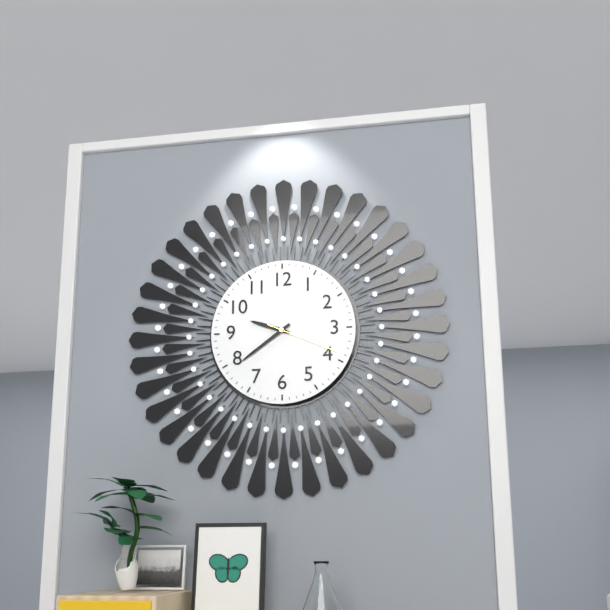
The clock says {"hour": 9, "minute": 39, "second": 19}
